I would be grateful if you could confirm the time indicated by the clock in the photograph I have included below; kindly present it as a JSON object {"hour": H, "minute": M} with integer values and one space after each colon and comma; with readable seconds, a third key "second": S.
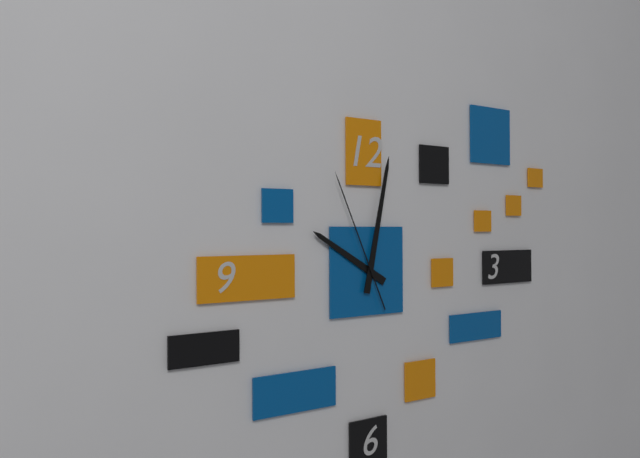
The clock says {"hour": 10, "minute": 2, "second": 56}
